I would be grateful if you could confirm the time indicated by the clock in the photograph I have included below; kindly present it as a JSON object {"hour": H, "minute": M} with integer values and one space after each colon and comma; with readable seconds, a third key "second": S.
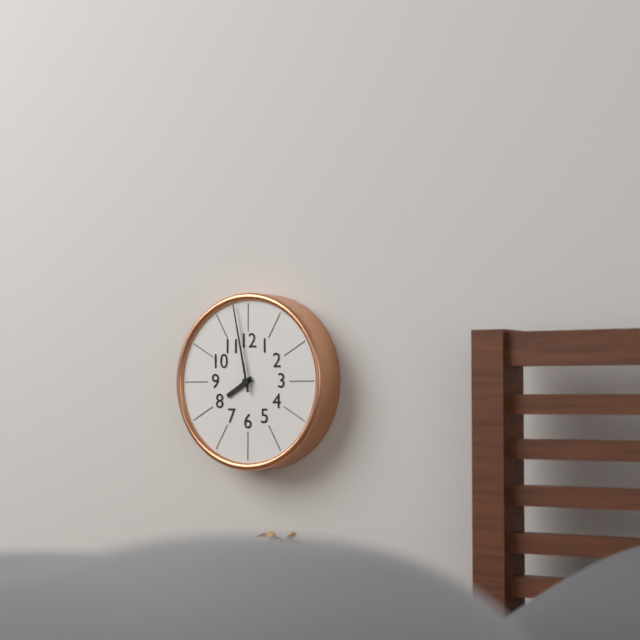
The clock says {"hour": 7, "minute": 58}
